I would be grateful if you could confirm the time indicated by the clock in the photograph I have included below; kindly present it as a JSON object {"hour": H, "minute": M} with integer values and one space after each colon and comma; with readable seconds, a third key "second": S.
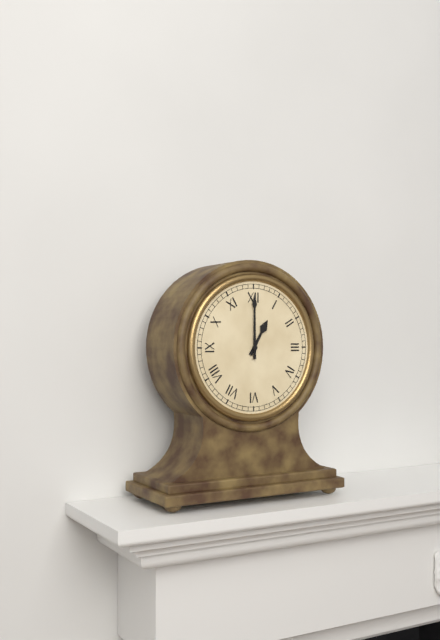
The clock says {"hour": 1, "minute": 0}
